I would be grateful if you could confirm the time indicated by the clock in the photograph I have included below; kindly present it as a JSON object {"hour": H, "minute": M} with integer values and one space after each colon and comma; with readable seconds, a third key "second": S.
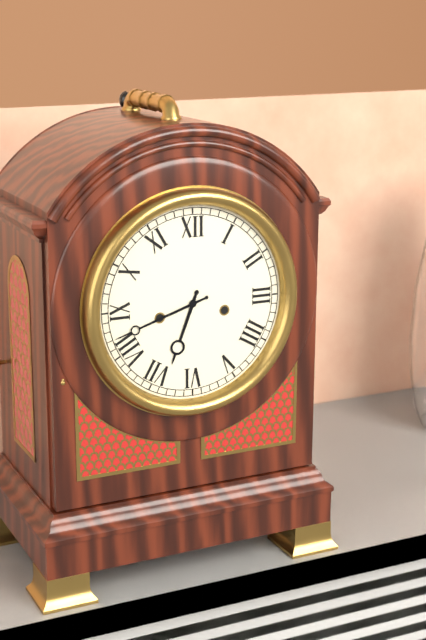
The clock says {"hour": 6, "minute": 42}
